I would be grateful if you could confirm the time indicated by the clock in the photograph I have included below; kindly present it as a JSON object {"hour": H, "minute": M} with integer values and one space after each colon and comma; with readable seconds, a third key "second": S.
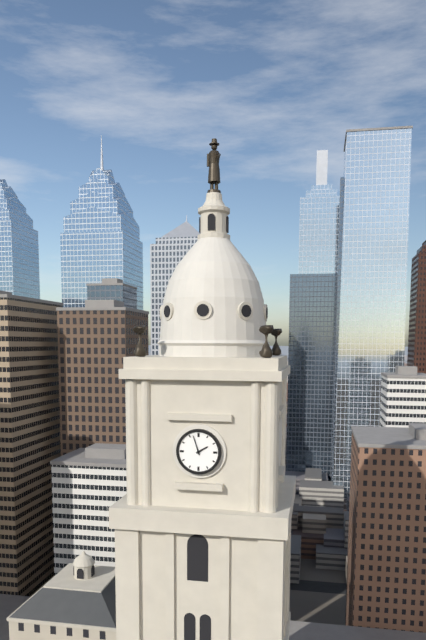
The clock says {"hour": 1, "minute": 57}
